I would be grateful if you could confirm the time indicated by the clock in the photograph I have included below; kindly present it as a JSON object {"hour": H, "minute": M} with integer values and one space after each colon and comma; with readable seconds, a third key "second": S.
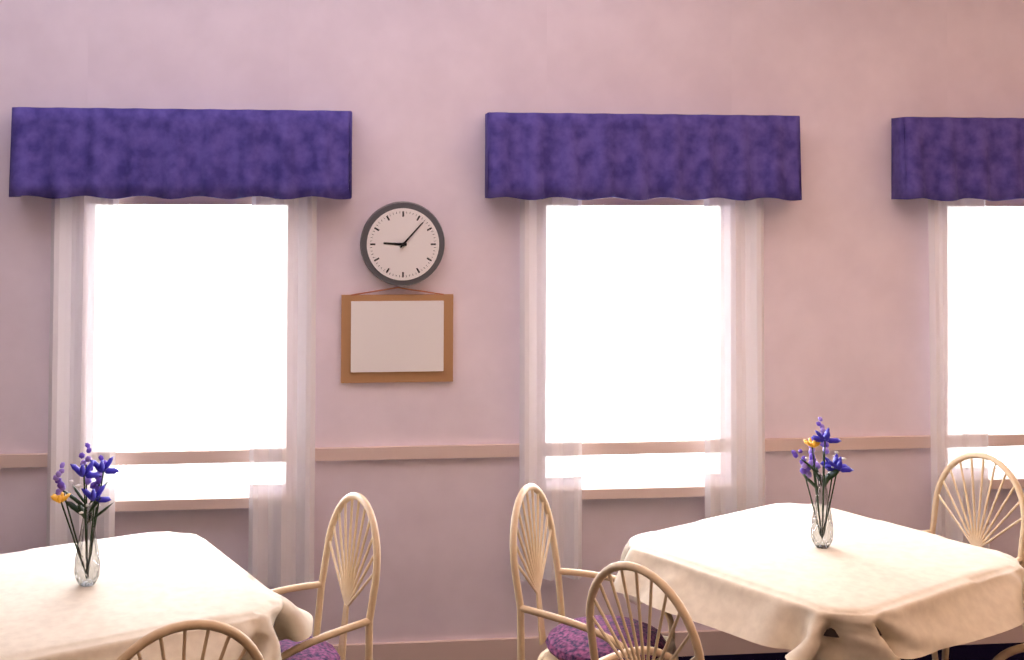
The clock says {"hour": 9, "minute": 7}
